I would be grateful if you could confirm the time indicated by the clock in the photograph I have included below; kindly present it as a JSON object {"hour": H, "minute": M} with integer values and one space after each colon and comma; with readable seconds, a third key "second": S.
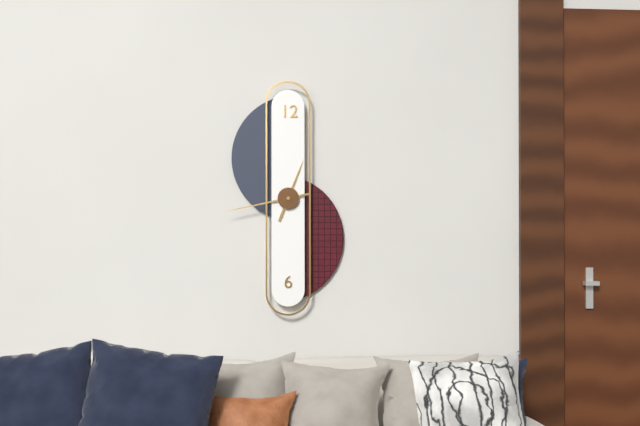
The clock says {"hour": 12, "minute": 43}
